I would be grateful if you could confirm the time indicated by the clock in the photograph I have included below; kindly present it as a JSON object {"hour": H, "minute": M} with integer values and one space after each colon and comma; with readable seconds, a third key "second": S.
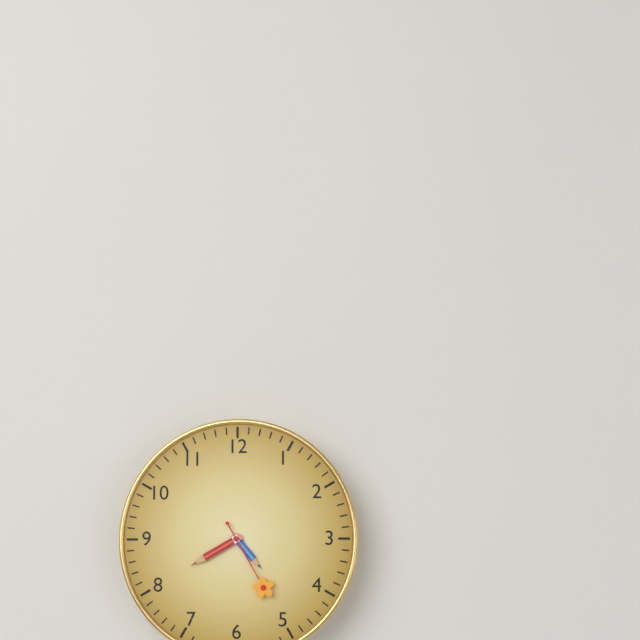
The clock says {"hour": 4, "minute": 40, "second": 25}
